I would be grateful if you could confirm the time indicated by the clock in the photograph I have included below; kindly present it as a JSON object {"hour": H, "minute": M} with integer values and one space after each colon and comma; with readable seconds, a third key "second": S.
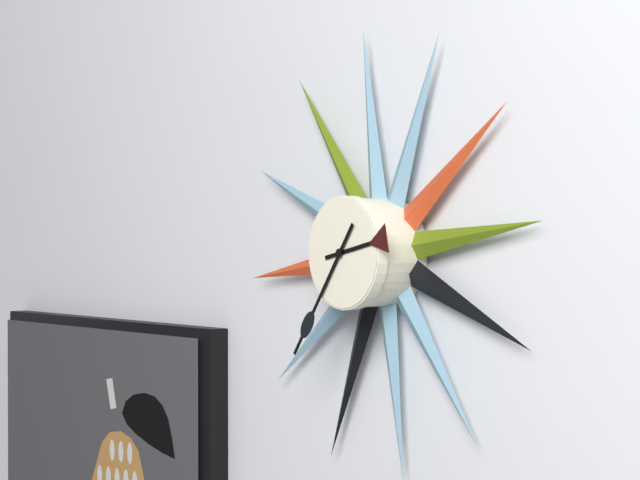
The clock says {"hour": 2, "minute": 36}
